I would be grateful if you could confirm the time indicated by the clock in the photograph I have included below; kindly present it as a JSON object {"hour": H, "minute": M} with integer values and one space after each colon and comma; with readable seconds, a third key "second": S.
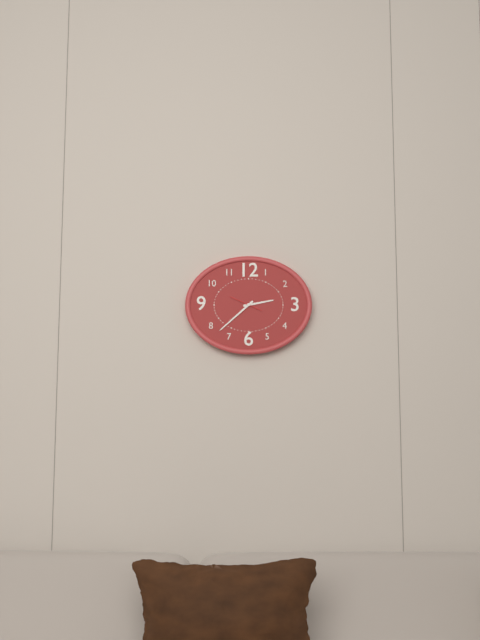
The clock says {"hour": 2, "minute": 38}
